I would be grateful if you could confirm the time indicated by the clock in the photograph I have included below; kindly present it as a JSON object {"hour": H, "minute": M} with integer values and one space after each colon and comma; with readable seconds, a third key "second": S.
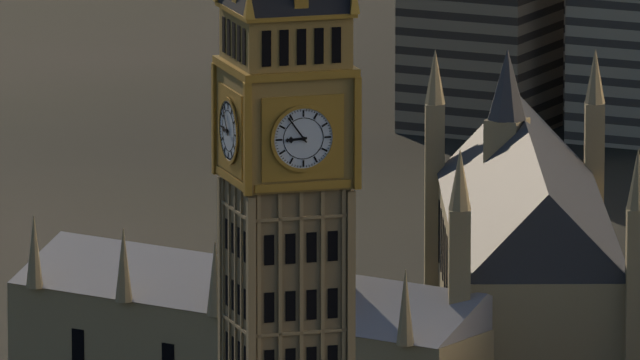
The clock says {"hour": 8, "minute": 54}
